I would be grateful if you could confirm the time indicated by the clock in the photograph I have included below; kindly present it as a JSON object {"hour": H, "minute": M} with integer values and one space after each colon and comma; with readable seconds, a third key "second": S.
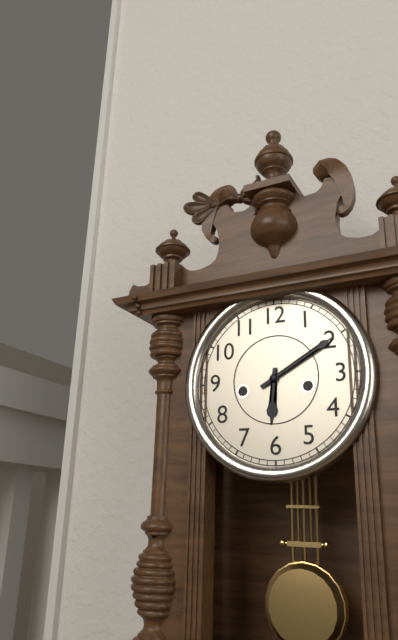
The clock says {"hour": 6, "minute": 10}
